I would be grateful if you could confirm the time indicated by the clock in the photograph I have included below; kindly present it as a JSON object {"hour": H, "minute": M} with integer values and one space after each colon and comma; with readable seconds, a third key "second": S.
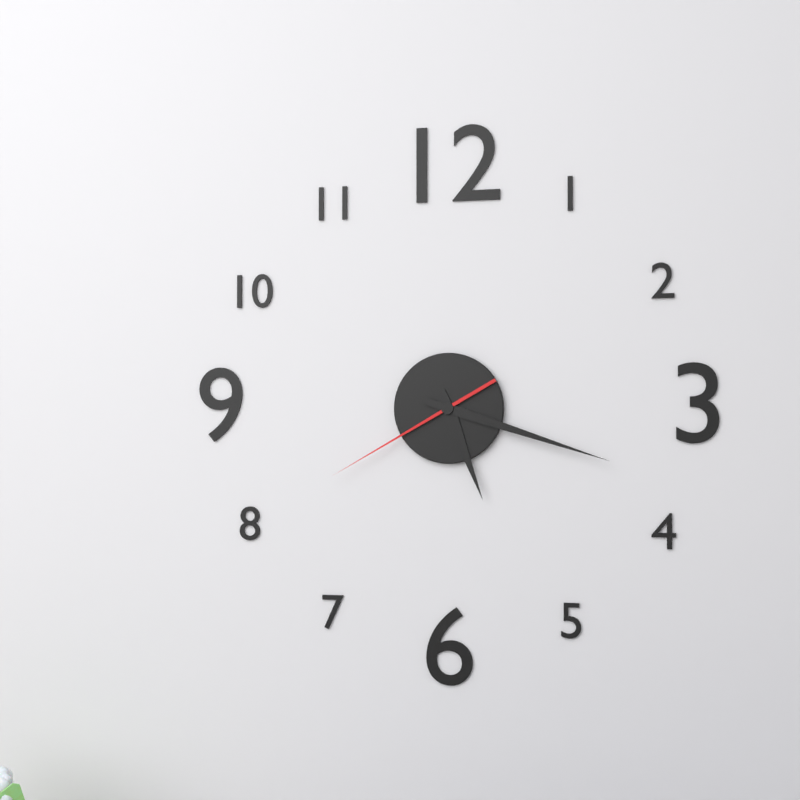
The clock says {"hour": 5, "minute": 18, "second": 40}
